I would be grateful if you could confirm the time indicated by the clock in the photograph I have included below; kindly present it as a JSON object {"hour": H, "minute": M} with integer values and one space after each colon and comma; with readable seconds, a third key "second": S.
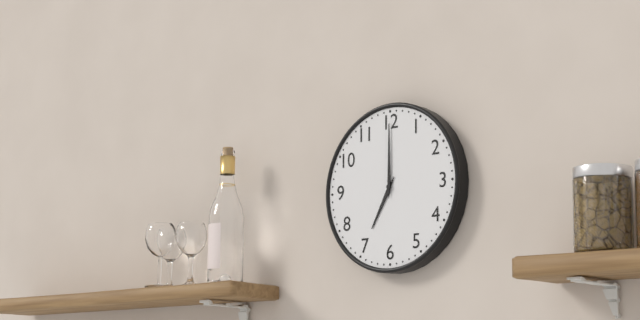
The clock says {"hour": 7, "minute": 0}
